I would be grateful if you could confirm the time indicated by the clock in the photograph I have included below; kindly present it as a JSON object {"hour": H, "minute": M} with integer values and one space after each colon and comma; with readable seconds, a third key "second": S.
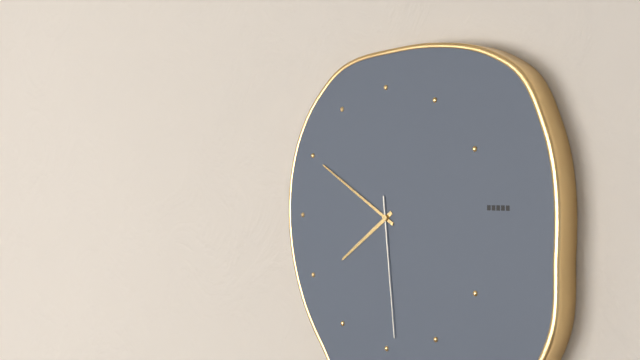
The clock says {"hour": 7, "minute": 50, "second": 29}
